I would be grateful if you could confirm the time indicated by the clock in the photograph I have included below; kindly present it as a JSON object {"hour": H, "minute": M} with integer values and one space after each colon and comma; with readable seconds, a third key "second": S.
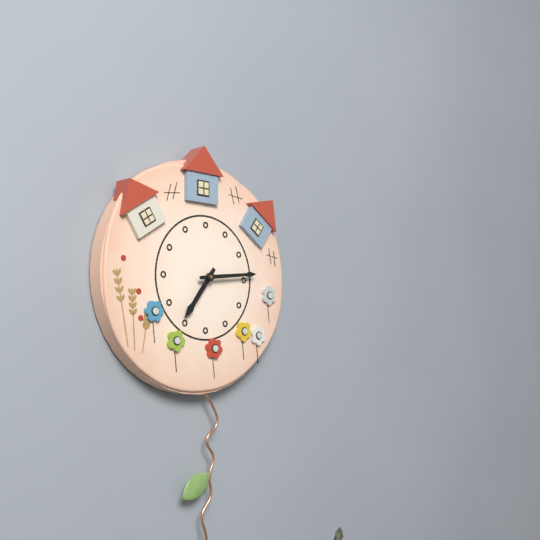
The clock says {"hour": 7, "minute": 14}
